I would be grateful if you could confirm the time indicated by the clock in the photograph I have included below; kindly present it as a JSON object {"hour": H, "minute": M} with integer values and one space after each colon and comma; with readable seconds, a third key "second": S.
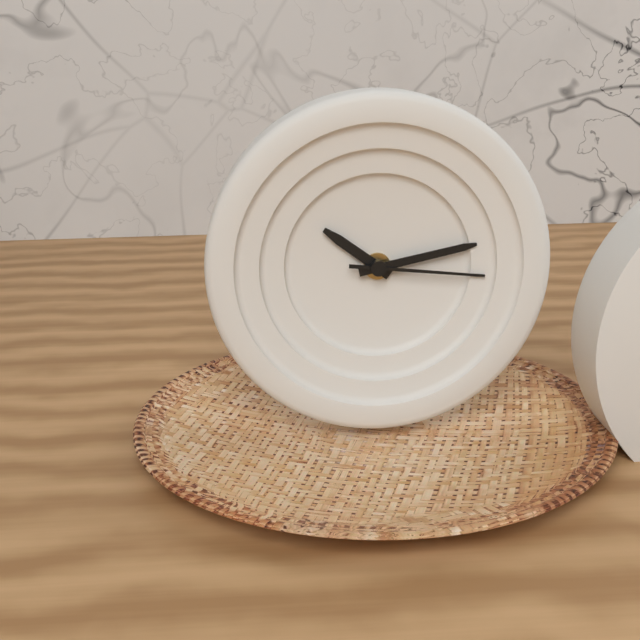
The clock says {"hour": 10, "minute": 13, "second": 16}
